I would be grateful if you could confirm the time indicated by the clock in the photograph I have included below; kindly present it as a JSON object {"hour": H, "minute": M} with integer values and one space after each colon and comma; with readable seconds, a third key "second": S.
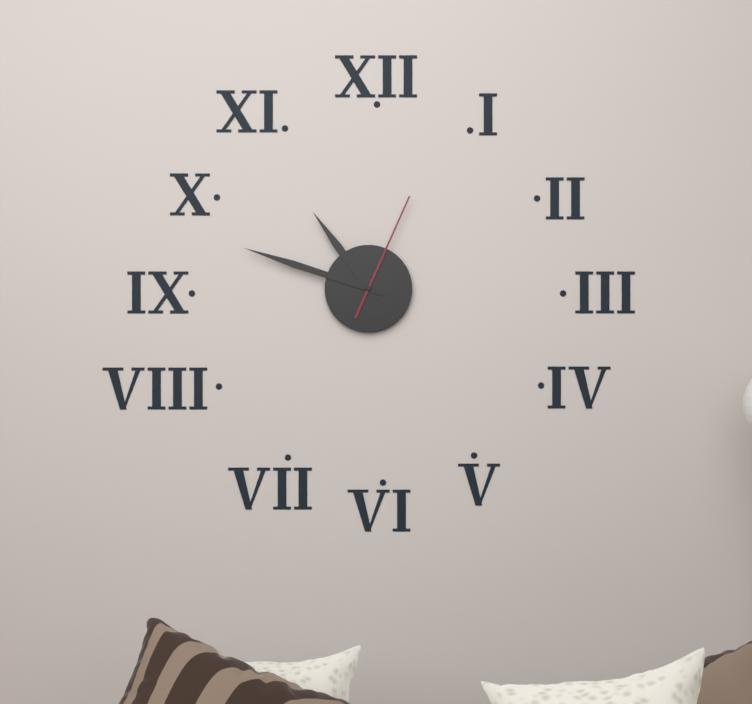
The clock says {"hour": 10, "minute": 48, "second": 4}
